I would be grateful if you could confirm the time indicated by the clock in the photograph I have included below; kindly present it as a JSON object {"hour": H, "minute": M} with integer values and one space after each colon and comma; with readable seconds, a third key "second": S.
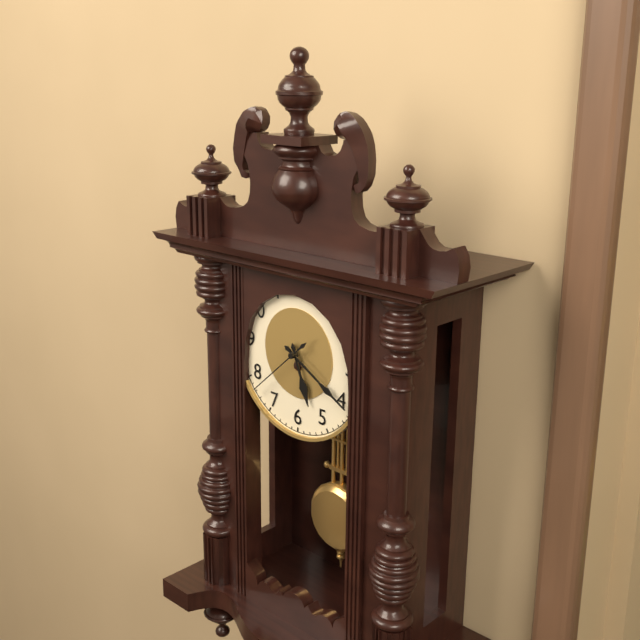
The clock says {"hour": 5, "minute": 20, "second": 38}
